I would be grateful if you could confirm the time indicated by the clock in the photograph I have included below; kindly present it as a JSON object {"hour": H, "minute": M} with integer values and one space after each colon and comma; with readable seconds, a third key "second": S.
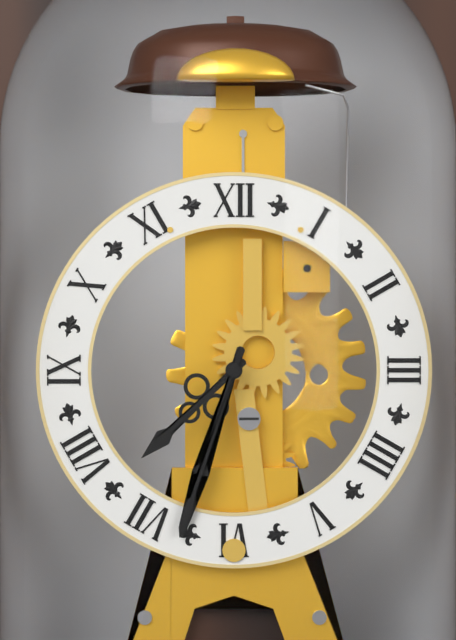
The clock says {"hour": 7, "minute": 33}
